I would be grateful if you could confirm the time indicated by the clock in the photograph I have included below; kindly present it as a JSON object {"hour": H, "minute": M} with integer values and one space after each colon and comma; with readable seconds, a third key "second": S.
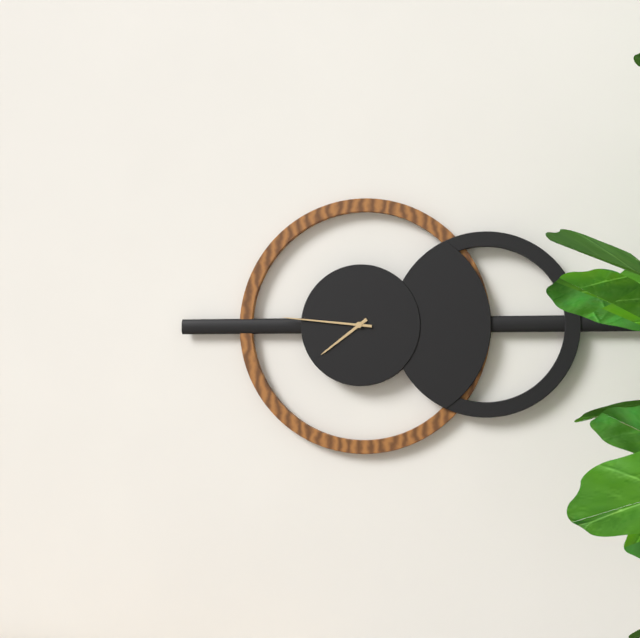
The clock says {"hour": 7, "minute": 46}
